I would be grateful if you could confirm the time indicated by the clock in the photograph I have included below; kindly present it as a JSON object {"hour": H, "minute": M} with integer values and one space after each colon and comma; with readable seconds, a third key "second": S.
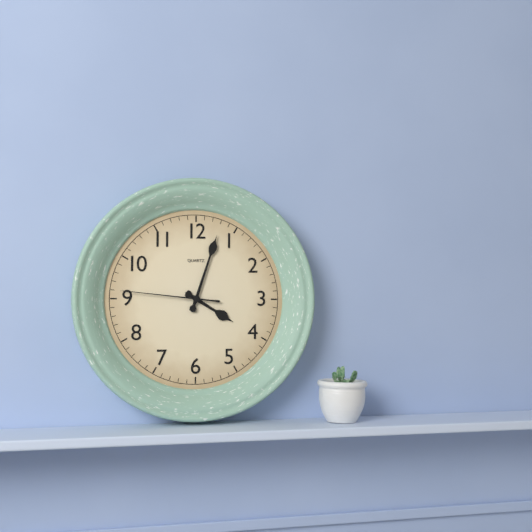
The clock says {"hour": 4, "minute": 3, "second": 46}
